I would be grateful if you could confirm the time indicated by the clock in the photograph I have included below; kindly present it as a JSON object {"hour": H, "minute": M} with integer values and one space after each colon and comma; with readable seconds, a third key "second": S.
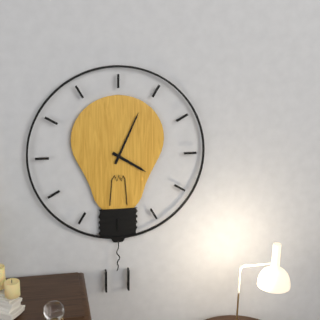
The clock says {"hour": 4, "minute": 4}
